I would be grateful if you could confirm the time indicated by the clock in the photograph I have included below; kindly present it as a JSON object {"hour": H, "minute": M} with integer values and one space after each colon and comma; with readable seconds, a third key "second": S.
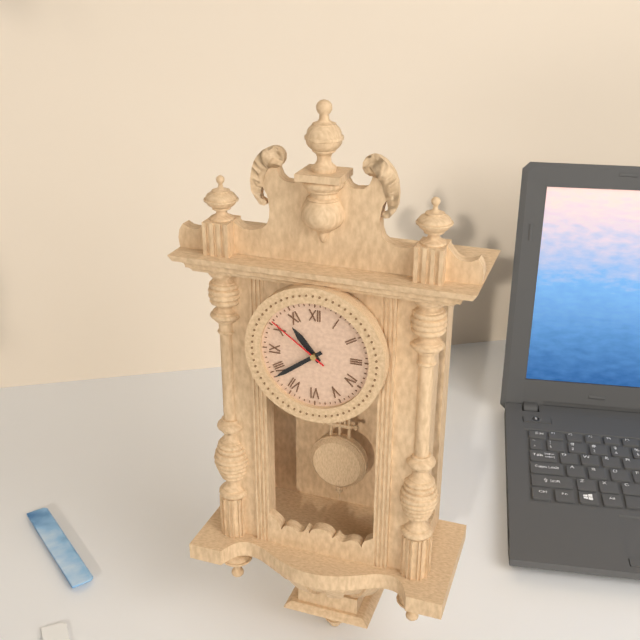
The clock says {"hour": 10, "minute": 39, "second": 51}
